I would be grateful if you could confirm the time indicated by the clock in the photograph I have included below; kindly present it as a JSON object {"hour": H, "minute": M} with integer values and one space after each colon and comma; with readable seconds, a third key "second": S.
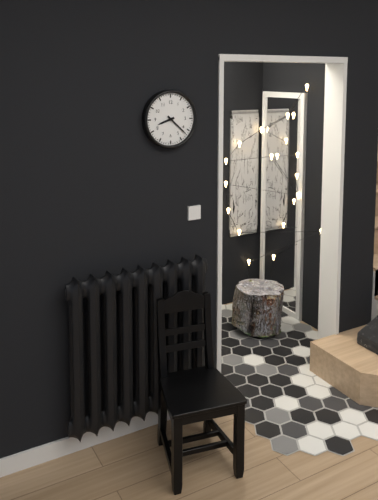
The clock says {"hour": 8, "minute": 22}
